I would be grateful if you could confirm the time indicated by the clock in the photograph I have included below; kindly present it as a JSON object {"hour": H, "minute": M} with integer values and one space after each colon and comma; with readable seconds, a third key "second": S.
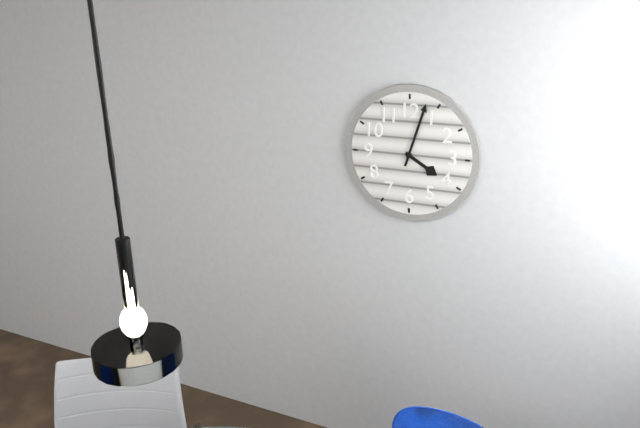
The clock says {"hour": 4, "minute": 3}
